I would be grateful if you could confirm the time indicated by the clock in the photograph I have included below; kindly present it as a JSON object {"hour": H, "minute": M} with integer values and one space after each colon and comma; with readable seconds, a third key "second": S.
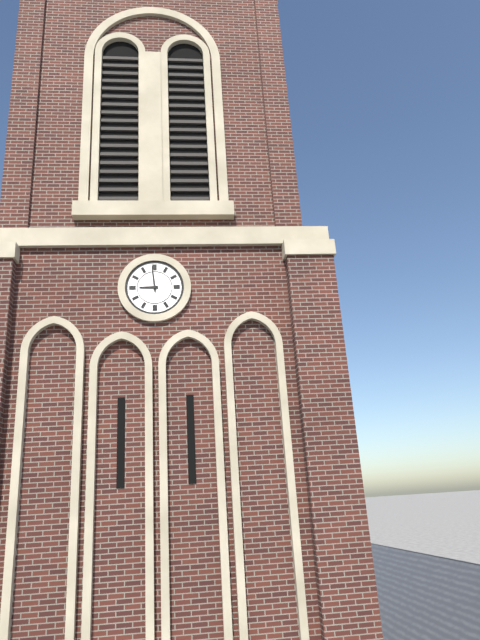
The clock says {"hour": 8, "minute": 59}
